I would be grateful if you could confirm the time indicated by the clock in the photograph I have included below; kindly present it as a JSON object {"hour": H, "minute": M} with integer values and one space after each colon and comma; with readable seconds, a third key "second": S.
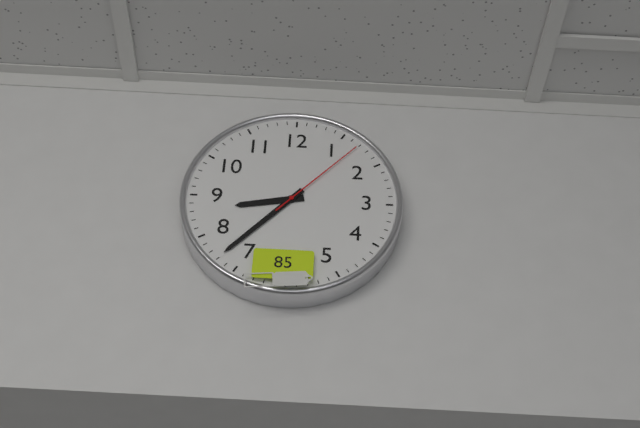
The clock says {"hour": 8, "minute": 37, "second": 7}
